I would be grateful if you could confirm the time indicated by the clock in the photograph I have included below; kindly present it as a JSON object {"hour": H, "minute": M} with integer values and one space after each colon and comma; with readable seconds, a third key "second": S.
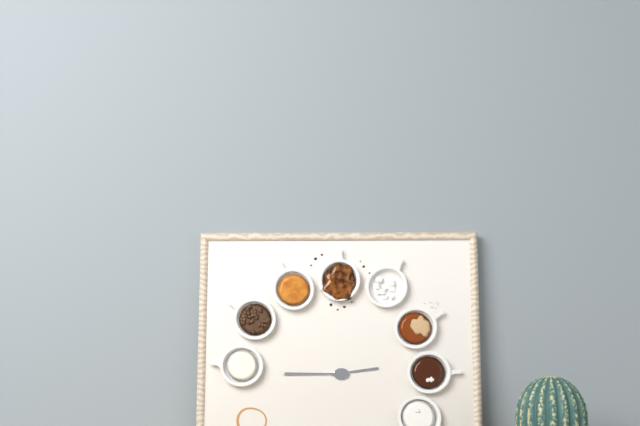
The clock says {"hour": 2, "minute": 45}
